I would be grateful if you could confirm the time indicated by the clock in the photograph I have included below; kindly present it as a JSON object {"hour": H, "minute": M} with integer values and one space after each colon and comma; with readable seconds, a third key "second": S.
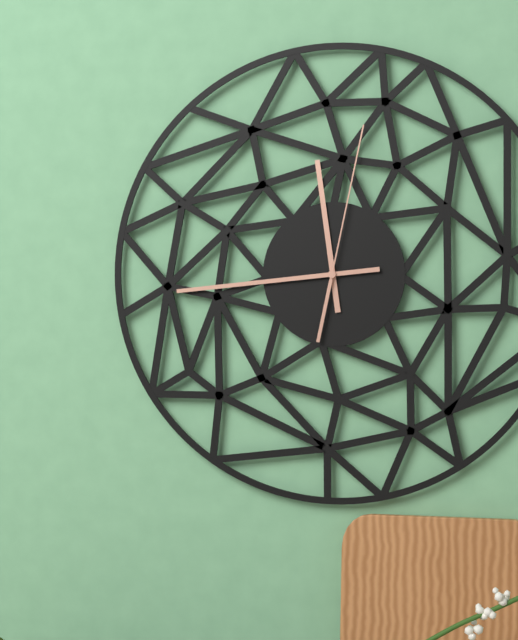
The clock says {"hour": 11, "minute": 44, "second": 2}
